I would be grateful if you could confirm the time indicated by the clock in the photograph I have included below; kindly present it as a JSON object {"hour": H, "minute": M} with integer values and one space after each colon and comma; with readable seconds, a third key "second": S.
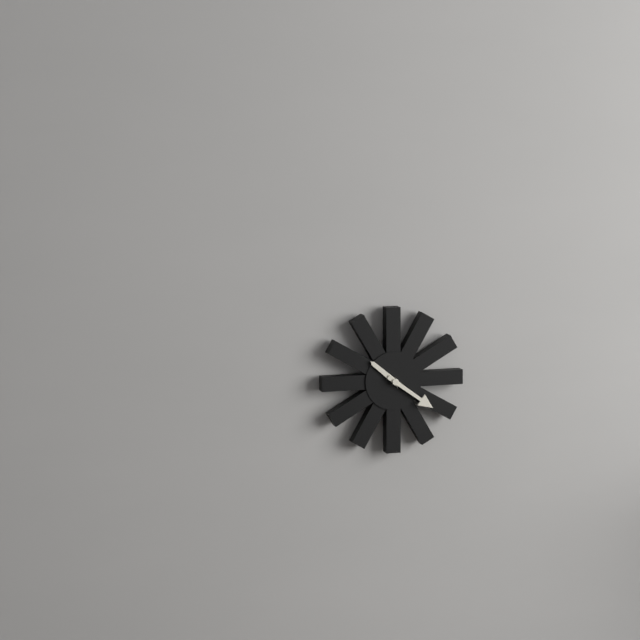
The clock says {"hour": 10, "minute": 21}
